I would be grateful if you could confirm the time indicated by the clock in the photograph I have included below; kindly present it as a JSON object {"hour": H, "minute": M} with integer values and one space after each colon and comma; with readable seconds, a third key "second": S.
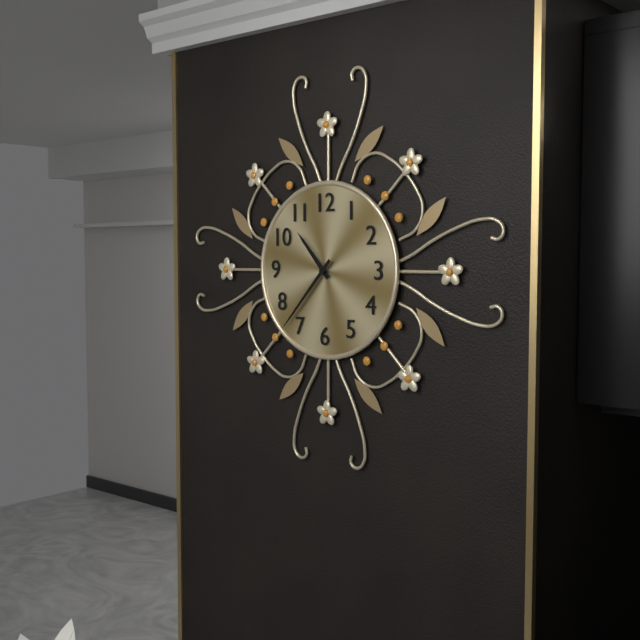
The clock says {"hour": 10, "minute": 37}
